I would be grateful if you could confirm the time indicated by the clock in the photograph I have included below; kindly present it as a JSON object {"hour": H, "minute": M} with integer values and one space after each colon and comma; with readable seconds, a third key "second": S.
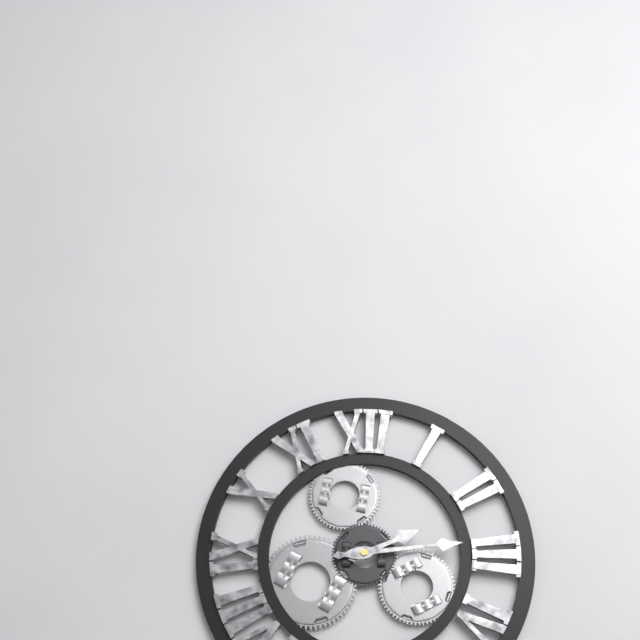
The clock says {"hour": 2, "minute": 14}
